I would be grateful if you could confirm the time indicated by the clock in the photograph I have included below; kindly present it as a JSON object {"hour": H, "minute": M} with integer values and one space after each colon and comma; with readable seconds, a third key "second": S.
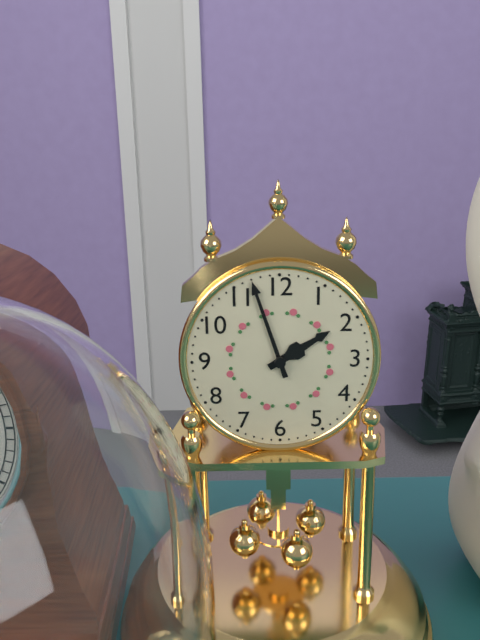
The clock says {"hour": 1, "minute": 57}
